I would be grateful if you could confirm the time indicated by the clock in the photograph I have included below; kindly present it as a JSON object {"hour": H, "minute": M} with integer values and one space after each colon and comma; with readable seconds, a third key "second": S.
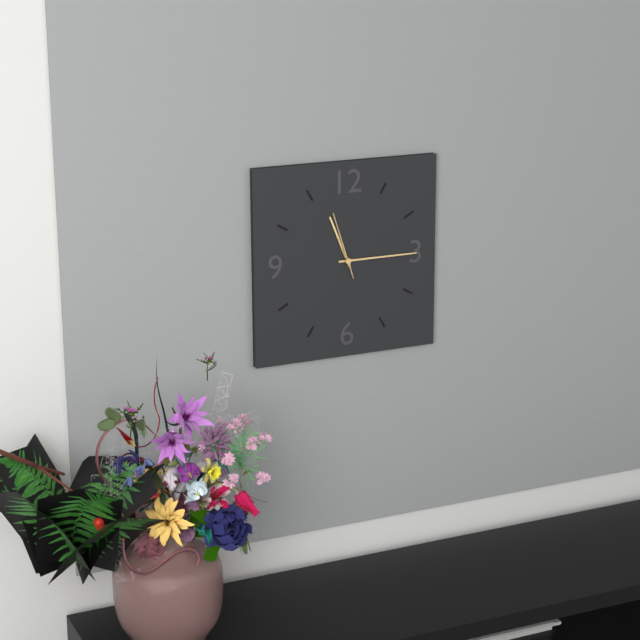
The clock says {"hour": 11, "minute": 15, "second": 57}
